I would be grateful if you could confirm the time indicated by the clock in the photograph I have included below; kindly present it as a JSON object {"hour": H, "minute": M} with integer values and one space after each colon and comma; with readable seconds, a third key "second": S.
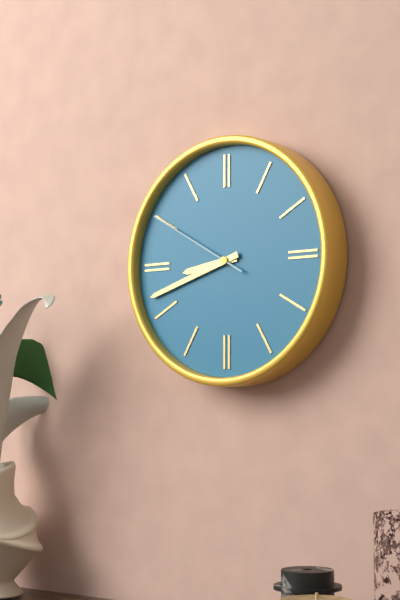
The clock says {"hour": 8, "minute": 42, "second": 50}
